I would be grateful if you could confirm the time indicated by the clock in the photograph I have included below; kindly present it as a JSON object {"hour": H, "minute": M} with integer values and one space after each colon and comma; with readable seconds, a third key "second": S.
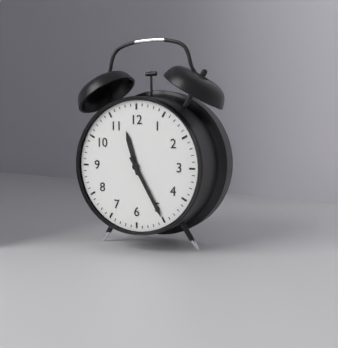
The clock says {"hour": 11, "minute": 25}
